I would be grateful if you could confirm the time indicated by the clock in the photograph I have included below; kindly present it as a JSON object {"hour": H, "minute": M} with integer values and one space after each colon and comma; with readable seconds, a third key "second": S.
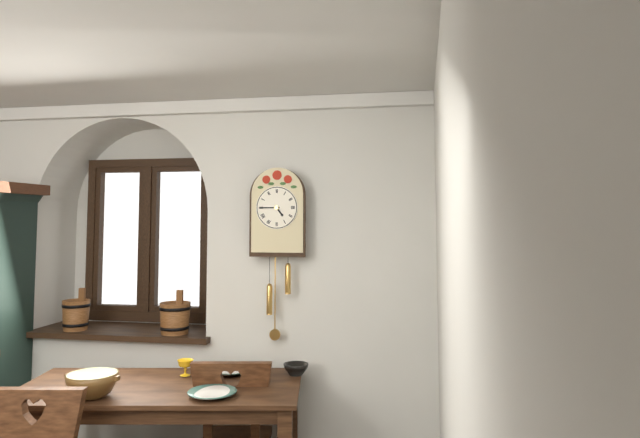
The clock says {"hour": 4, "minute": 45}
